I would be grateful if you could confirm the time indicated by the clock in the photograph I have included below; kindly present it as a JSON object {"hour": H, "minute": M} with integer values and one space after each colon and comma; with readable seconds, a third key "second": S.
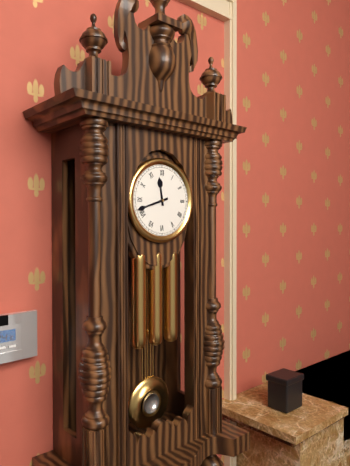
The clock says {"hour": 11, "minute": 42}
